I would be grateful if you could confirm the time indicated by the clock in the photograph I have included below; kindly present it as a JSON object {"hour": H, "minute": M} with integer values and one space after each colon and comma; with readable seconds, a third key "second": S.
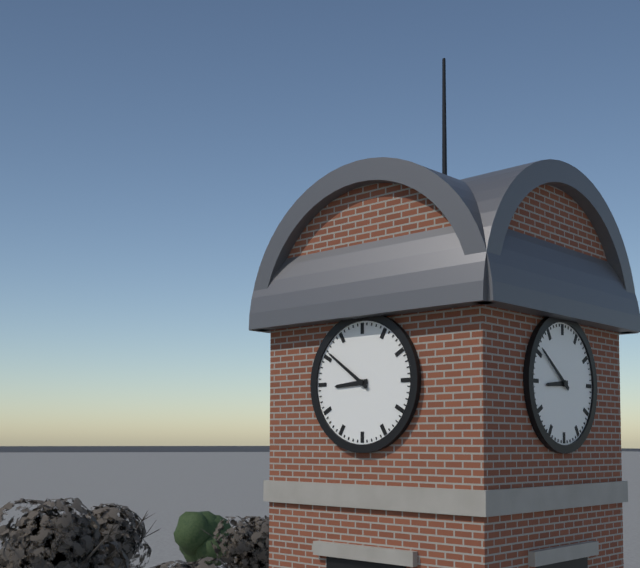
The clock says {"hour": 8, "minute": 51}
